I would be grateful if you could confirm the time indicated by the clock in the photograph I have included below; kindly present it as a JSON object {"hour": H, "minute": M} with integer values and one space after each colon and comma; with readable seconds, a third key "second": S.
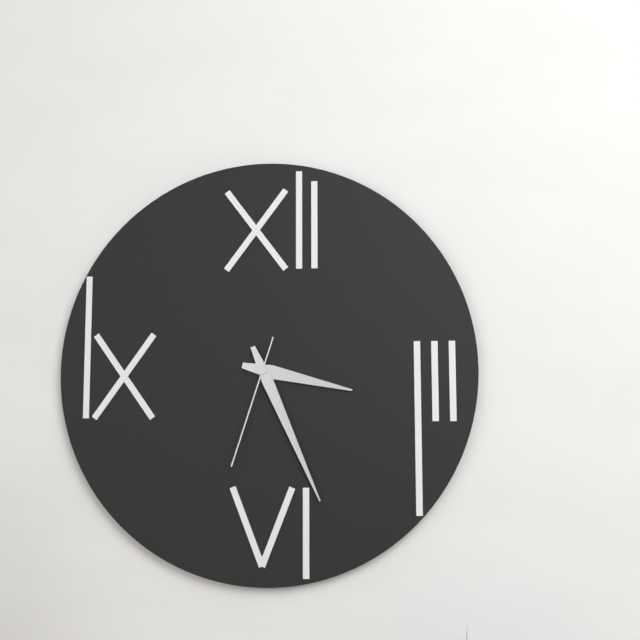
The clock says {"hour": 3, "minute": 26, "second": 33}
